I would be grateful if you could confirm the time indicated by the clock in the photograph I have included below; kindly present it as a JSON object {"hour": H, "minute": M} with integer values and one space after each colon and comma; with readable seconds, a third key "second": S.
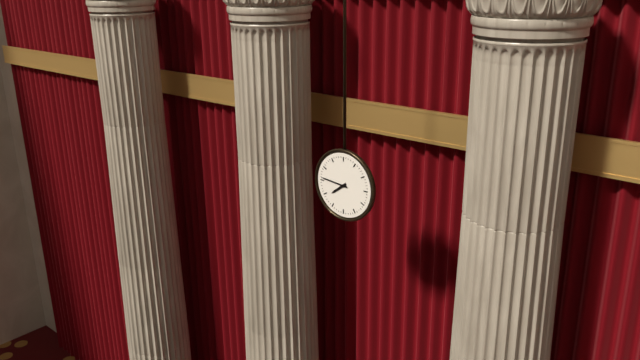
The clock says {"hour": 7, "minute": 46}
